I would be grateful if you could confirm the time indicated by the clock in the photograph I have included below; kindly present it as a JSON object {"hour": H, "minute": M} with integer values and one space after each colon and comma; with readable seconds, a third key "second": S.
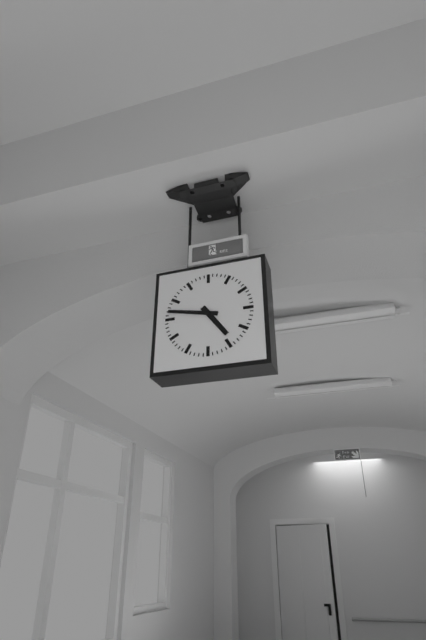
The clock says {"hour": 4, "minute": 47}
